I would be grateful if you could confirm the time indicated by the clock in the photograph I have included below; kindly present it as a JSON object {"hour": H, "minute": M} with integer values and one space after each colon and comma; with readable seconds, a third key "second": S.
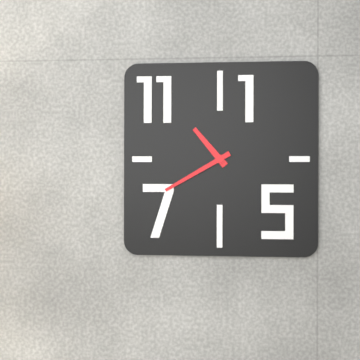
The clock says {"hour": 10, "minute": 40}
